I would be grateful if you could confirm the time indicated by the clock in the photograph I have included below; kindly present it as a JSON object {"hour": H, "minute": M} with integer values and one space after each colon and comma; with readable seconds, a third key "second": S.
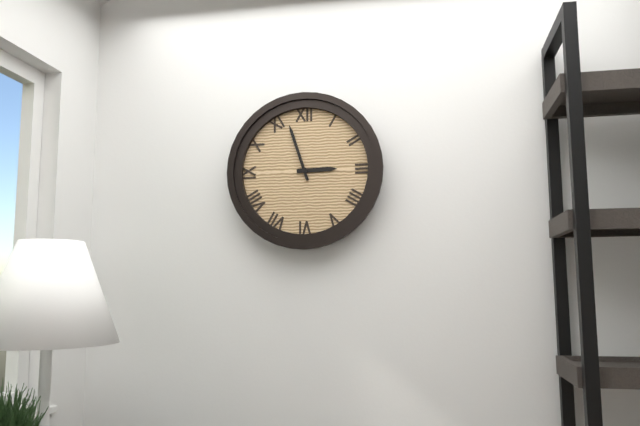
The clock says {"hour": 2, "minute": 57}
